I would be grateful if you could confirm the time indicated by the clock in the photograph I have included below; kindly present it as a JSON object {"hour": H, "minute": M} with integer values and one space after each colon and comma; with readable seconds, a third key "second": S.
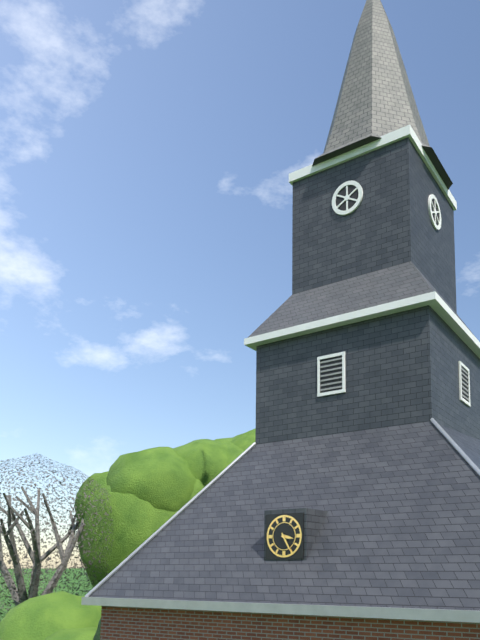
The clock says {"hour": 3, "minute": 25}
